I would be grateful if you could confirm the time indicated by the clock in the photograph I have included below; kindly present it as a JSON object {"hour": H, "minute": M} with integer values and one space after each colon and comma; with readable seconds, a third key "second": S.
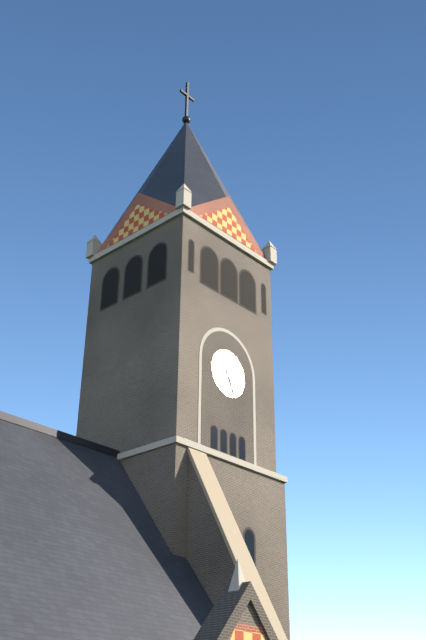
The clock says {"hour": 7, "minute": 26}
